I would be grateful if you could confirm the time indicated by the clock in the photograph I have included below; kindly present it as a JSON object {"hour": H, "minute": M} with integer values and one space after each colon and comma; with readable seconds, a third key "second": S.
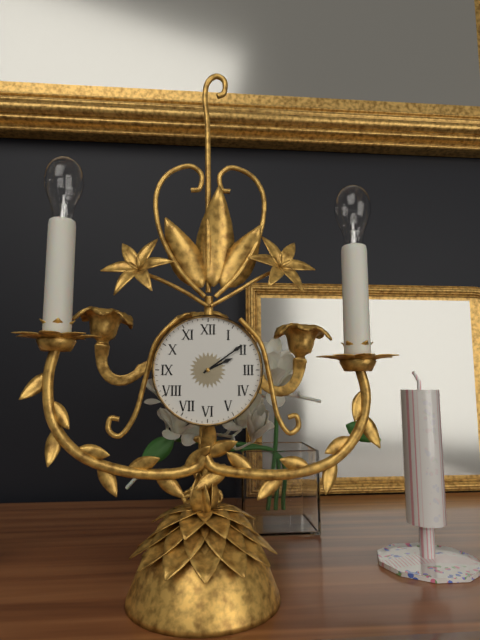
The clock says {"hour": 2, "minute": 9}
